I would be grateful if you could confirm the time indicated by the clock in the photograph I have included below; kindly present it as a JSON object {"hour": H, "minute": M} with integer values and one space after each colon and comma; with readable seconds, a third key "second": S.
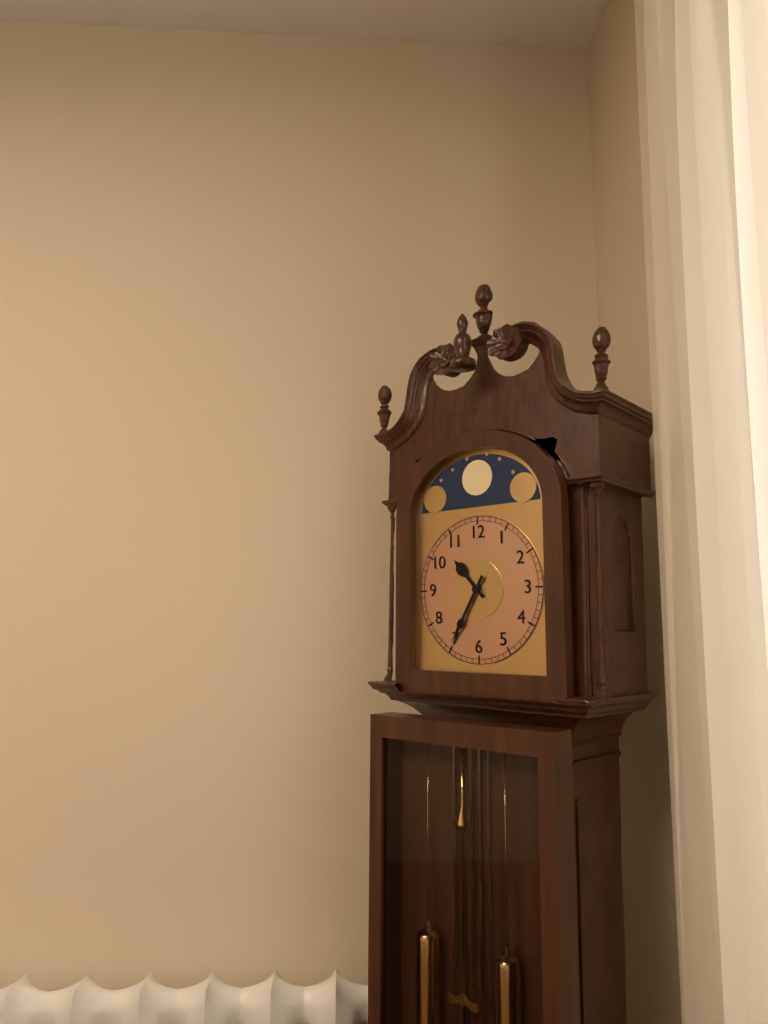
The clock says {"hour": 10, "minute": 35}
